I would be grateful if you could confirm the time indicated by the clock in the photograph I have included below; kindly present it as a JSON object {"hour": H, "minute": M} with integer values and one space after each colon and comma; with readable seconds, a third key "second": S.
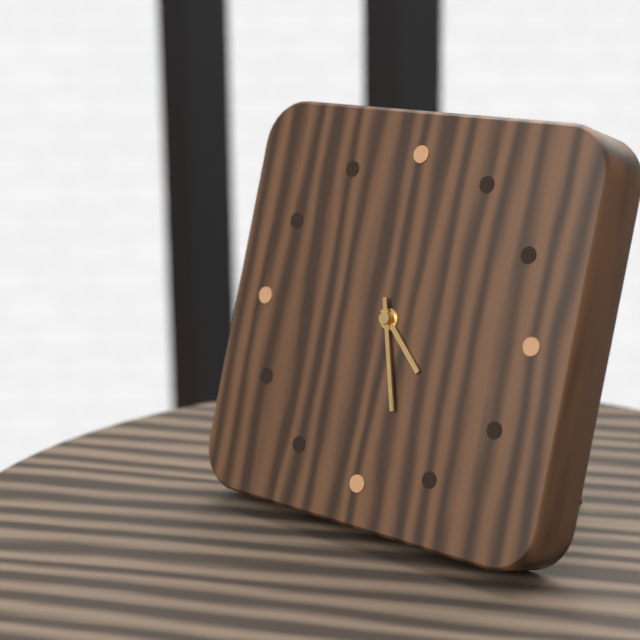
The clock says {"hour": 4, "minute": 27}
